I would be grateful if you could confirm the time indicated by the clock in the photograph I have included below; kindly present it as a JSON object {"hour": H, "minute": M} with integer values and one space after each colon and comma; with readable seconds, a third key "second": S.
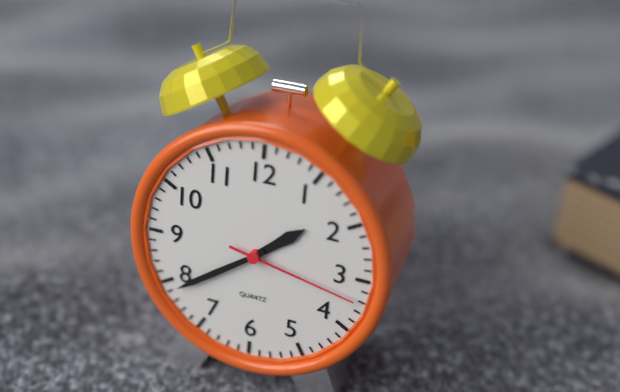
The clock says {"hour": 1, "minute": 39, "second": 17}
